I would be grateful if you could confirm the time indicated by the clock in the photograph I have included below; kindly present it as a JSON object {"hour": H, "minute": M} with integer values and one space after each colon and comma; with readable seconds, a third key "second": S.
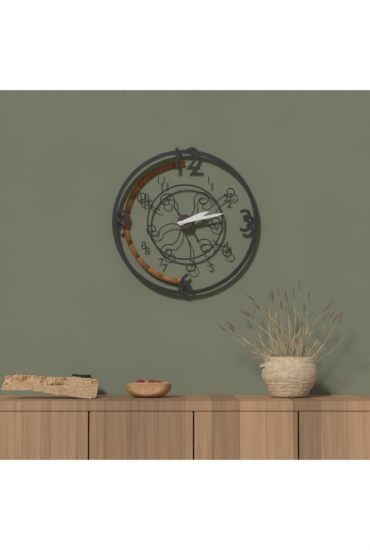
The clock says {"hour": 2, "minute": 13}
